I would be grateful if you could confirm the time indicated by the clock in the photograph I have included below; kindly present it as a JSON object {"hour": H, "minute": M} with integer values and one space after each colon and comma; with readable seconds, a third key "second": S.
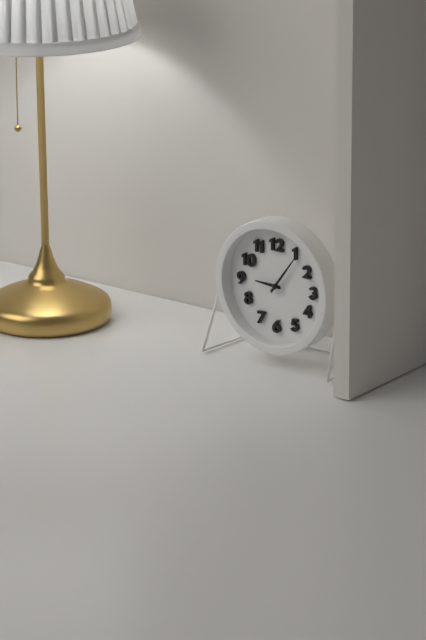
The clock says {"hour": 9, "minute": 6}
